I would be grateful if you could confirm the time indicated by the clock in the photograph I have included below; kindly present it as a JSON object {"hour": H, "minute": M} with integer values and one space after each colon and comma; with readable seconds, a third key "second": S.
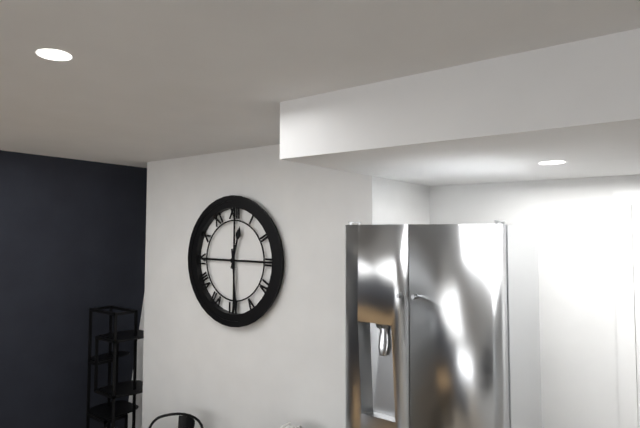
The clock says {"hour": 12, "minute": 29}
